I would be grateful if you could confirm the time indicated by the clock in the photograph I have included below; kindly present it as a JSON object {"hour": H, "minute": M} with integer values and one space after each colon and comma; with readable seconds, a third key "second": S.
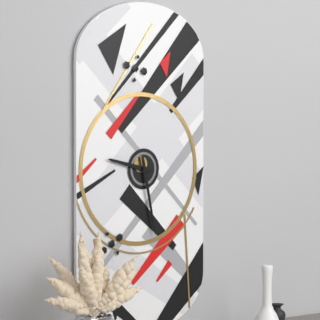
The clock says {"hour": 9, "minute": 28}
